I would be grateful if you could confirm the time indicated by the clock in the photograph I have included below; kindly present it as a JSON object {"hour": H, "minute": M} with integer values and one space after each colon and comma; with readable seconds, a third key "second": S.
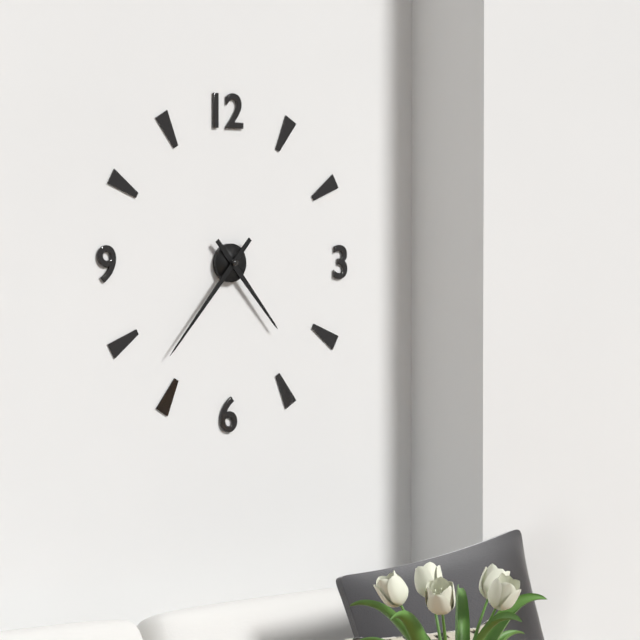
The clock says {"hour": 4, "minute": 37}
